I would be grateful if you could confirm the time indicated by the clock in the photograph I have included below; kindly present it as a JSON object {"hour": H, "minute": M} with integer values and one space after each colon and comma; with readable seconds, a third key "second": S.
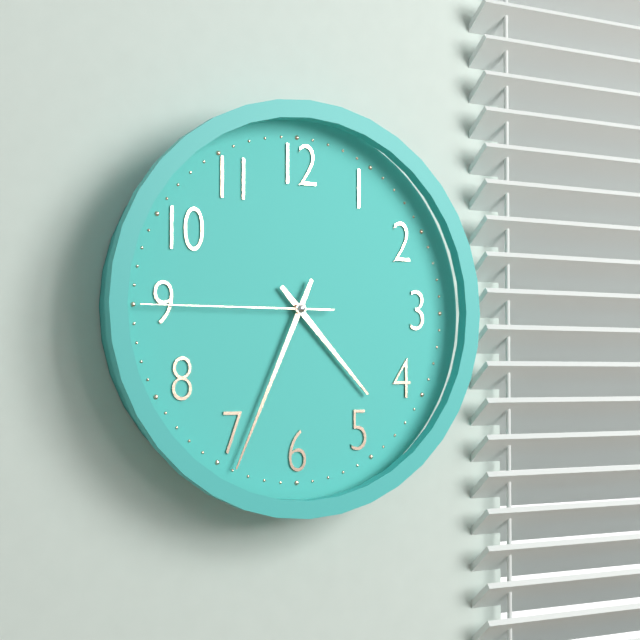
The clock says {"hour": 4, "minute": 34, "second": 45}
